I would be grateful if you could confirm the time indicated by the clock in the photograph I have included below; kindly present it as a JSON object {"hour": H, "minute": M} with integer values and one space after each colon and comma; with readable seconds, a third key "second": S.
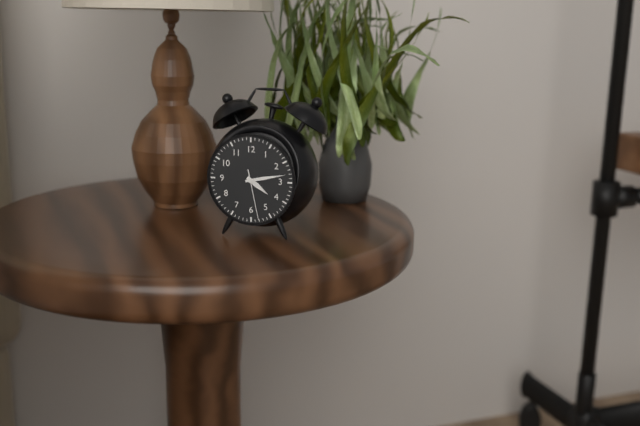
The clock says {"hour": 4, "minute": 13, "second": 28}
